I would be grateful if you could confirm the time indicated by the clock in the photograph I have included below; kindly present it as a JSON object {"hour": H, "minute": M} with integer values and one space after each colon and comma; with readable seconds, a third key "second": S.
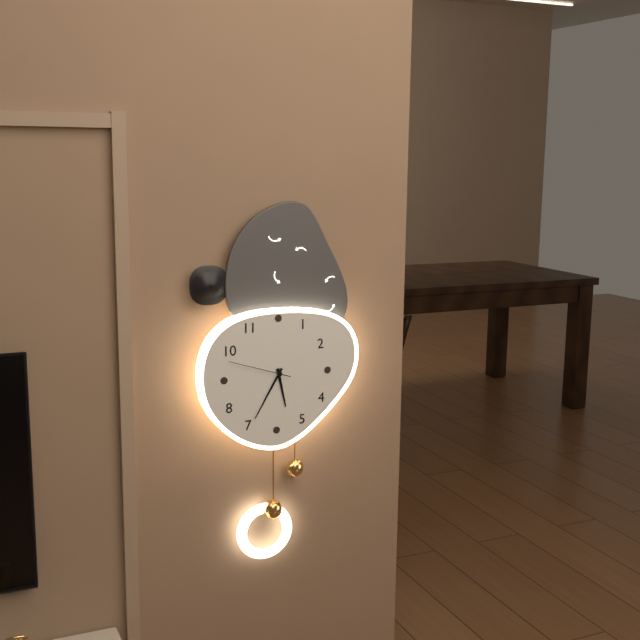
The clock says {"hour": 5, "minute": 35, "second": 48}
